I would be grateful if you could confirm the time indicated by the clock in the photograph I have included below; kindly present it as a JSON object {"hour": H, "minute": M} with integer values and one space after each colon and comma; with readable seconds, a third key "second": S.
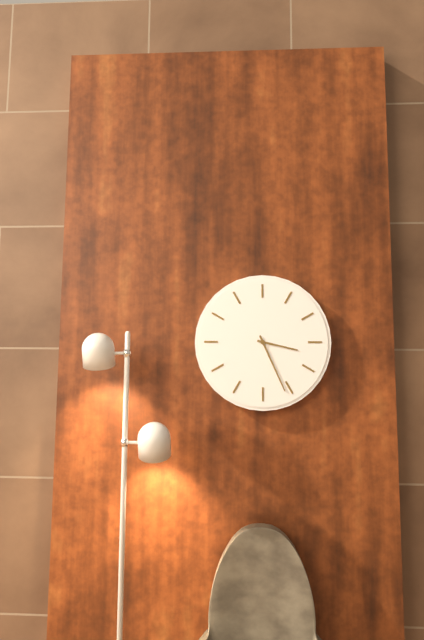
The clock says {"hour": 3, "minute": 26}
